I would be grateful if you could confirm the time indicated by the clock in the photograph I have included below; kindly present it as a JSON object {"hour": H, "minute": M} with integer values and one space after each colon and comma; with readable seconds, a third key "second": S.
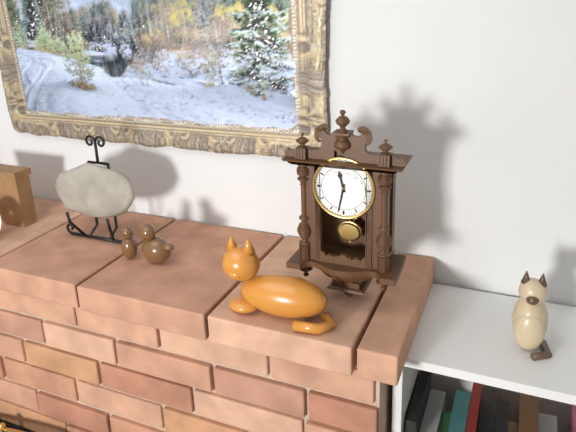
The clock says {"hour": 11, "minute": 32}
